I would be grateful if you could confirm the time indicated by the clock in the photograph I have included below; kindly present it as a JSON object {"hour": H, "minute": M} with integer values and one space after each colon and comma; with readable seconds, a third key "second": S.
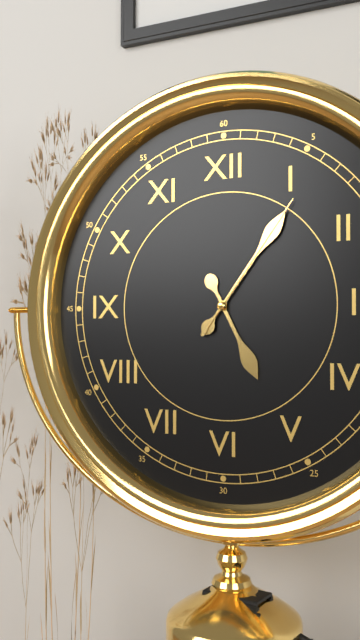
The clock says {"hour": 5, "minute": 6, "second": 6}
